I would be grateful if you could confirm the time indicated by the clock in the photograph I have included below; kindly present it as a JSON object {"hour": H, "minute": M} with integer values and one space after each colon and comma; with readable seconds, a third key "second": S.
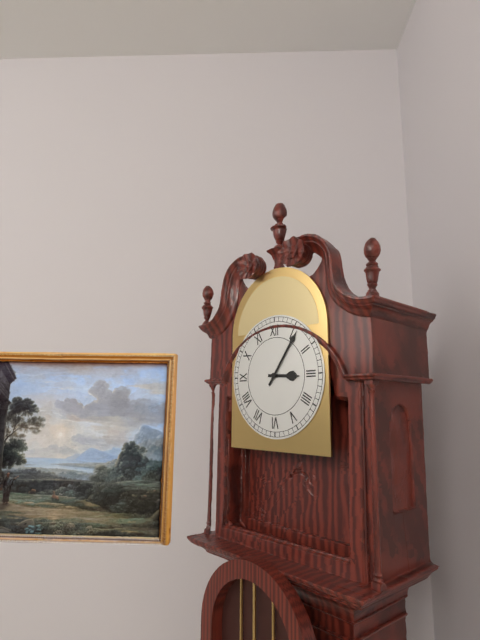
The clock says {"hour": 3, "minute": 6}
